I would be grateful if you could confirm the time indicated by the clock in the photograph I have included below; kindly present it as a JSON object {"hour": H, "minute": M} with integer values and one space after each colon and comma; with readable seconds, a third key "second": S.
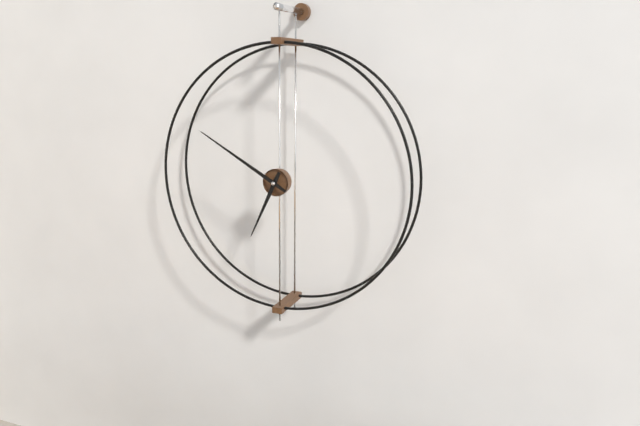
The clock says {"hour": 6, "minute": 50}
